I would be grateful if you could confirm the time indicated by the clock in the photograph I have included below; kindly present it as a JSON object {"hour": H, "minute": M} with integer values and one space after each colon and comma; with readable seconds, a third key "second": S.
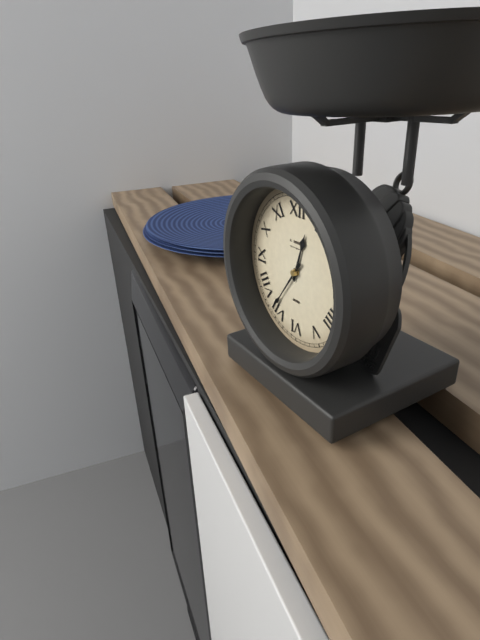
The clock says {"hour": 12, "minute": 36}
